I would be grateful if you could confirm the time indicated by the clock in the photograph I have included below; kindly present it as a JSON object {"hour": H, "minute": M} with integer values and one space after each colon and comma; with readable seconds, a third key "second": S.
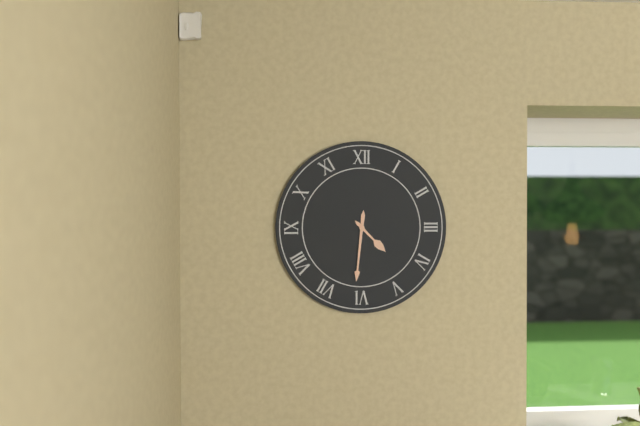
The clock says {"hour": 4, "minute": 31}
